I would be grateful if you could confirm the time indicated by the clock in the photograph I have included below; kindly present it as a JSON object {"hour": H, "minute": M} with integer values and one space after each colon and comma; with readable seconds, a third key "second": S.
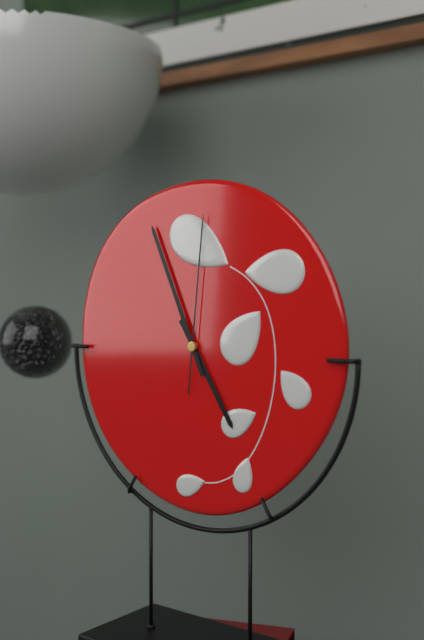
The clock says {"hour": 4, "minute": 56, "second": 1}
